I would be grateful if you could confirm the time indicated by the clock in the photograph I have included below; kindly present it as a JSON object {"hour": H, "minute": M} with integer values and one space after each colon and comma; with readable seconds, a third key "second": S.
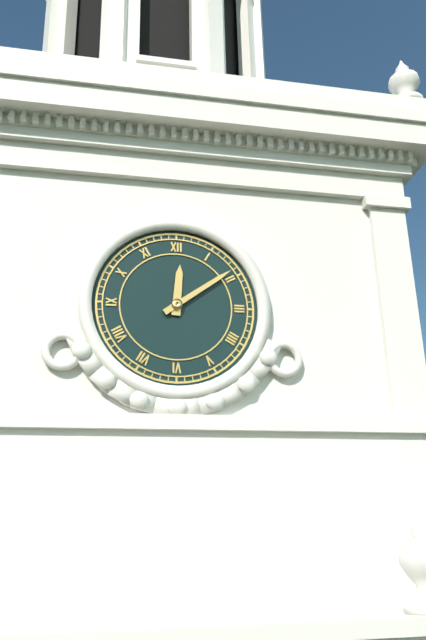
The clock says {"hour": 12, "minute": 9}
